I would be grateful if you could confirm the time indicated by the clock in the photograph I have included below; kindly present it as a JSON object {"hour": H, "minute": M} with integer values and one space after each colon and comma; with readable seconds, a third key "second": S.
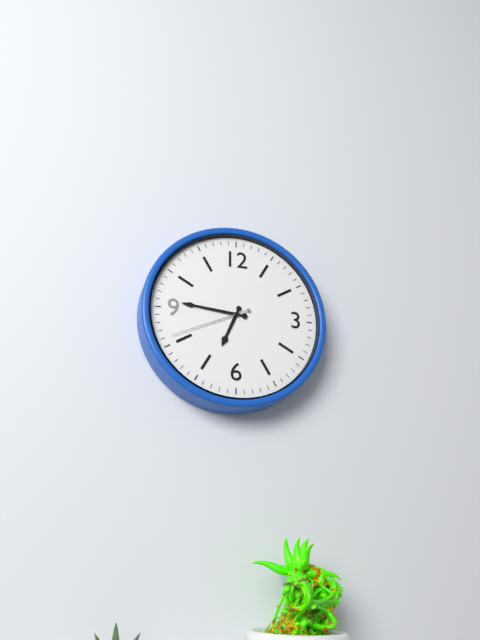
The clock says {"hour": 6, "minute": 46, "second": 41}
